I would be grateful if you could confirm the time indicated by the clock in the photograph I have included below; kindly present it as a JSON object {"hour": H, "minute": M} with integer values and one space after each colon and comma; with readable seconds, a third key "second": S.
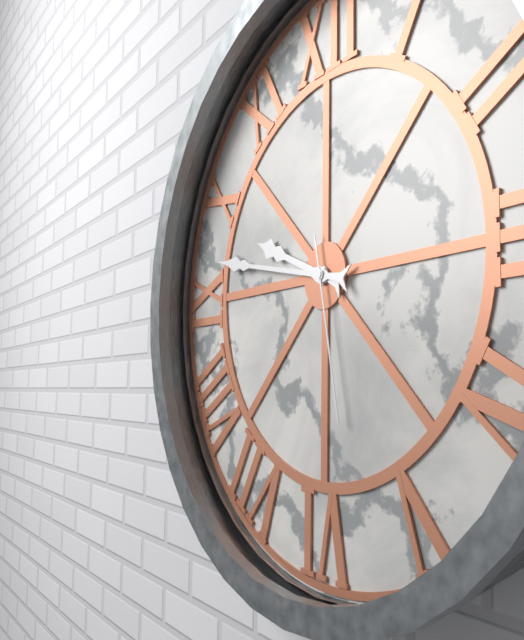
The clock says {"hour": 9, "minute": 47, "second": 28}
